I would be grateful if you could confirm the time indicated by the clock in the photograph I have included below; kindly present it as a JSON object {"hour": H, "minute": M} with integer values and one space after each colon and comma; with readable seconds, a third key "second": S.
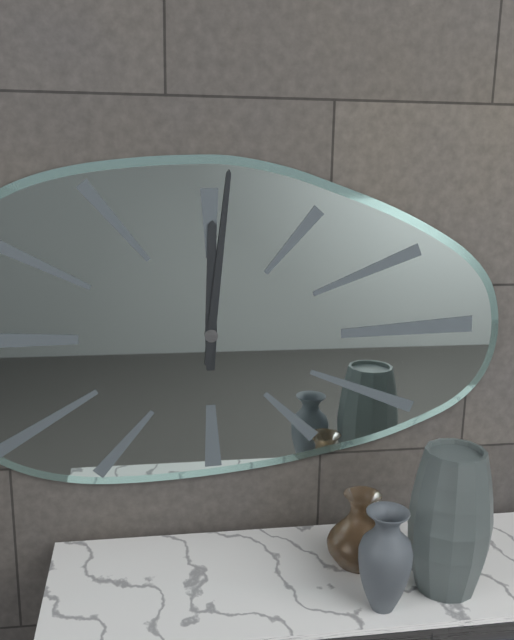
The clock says {"hour": 12, "minute": 1}
